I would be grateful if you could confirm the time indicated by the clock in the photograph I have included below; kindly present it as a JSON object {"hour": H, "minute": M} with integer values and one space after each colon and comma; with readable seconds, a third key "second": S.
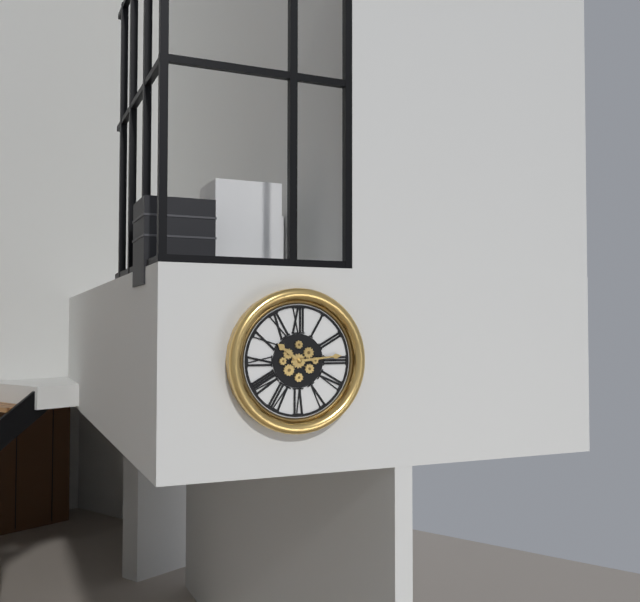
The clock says {"hour": 10, "minute": 14}
